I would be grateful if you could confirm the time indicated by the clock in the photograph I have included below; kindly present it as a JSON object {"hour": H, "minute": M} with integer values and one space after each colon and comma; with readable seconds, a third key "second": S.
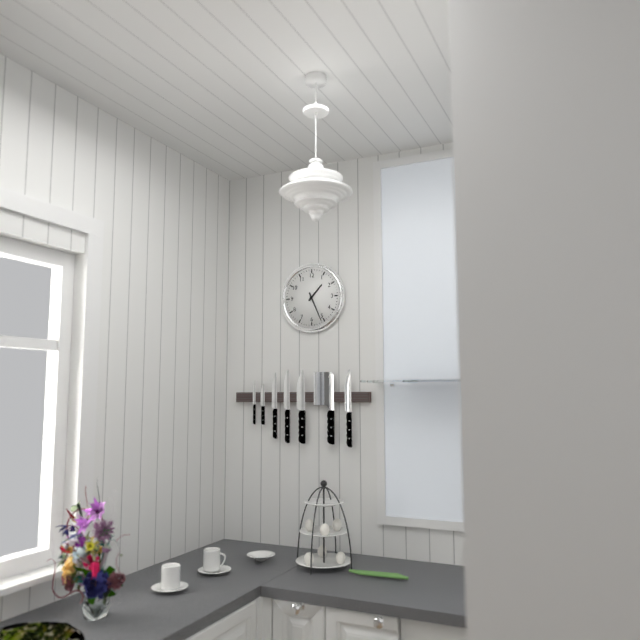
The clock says {"hour": 1, "minute": 26}
